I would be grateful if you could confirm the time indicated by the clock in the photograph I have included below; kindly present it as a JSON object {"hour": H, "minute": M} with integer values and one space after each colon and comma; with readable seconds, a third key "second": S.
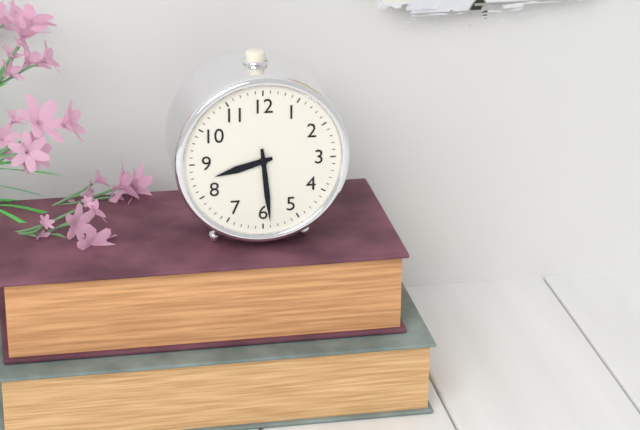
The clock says {"hour": 8, "minute": 29}
